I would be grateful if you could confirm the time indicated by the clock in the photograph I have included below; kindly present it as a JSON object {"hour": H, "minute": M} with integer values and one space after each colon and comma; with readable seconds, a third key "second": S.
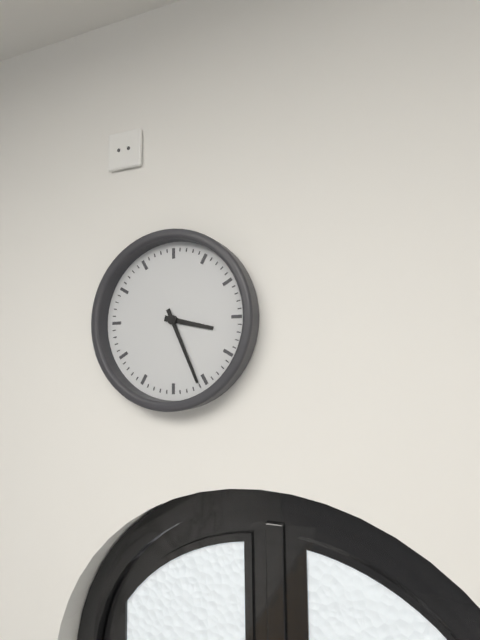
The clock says {"hour": 3, "minute": 26}
